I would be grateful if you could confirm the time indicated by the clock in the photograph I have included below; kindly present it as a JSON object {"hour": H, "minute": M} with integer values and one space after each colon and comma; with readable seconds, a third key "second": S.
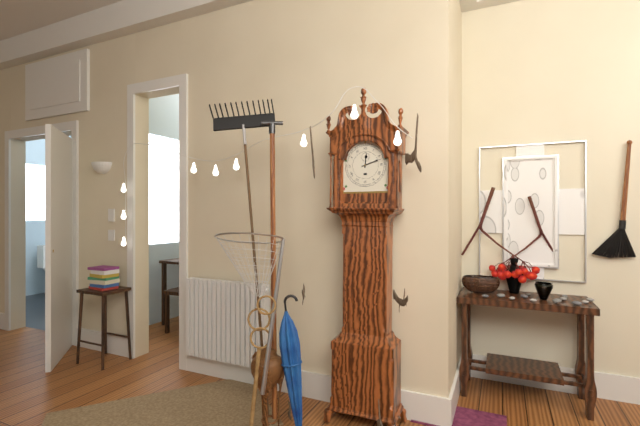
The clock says {"hour": 12, "minute": 12}
